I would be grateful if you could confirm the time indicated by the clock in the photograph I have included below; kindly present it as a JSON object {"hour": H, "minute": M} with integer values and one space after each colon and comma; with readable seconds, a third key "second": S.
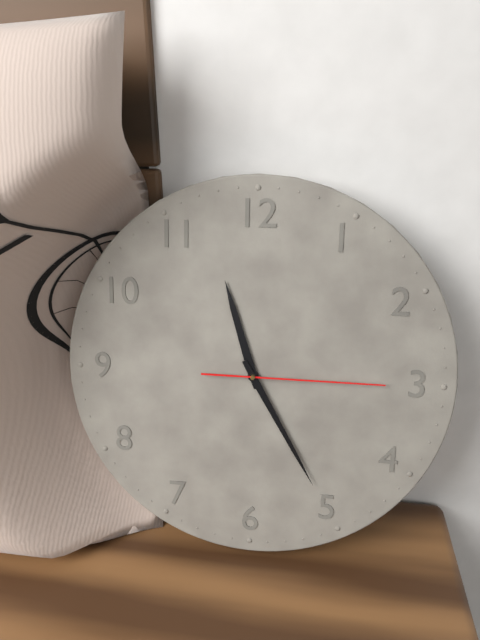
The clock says {"hour": 11, "minute": 25, "second": 15}
